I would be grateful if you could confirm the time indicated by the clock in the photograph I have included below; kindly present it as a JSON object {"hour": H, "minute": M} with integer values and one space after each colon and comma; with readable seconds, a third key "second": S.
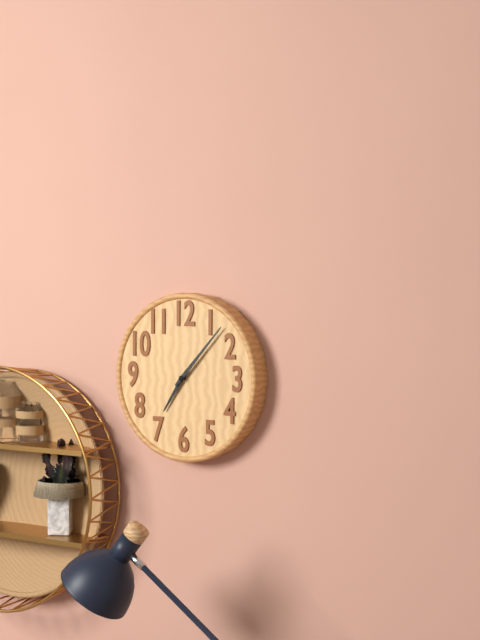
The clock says {"hour": 7, "minute": 7}
